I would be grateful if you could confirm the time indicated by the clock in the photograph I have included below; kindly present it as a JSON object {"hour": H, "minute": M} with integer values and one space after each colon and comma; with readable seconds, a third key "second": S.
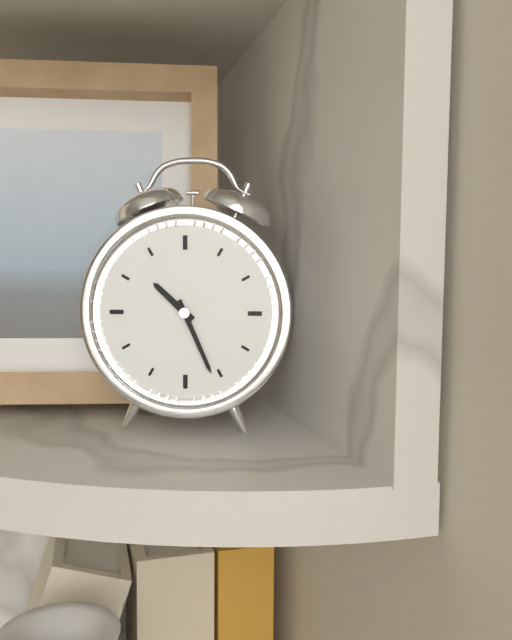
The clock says {"hour": 10, "minute": 26}
